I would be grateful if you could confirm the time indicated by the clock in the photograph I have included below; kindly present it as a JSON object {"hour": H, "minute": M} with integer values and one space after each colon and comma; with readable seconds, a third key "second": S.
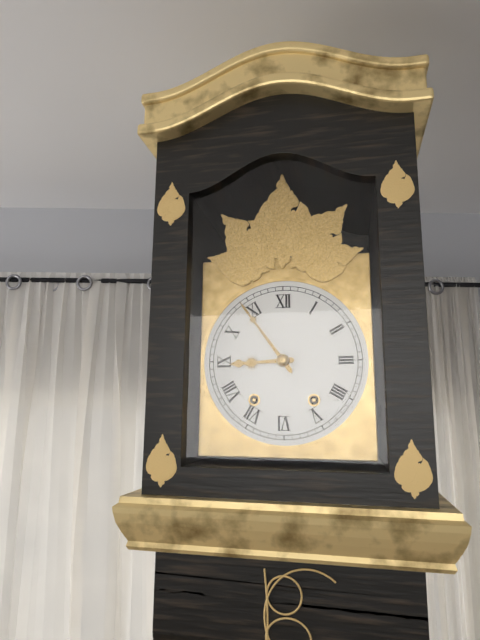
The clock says {"hour": 8, "minute": 54}
